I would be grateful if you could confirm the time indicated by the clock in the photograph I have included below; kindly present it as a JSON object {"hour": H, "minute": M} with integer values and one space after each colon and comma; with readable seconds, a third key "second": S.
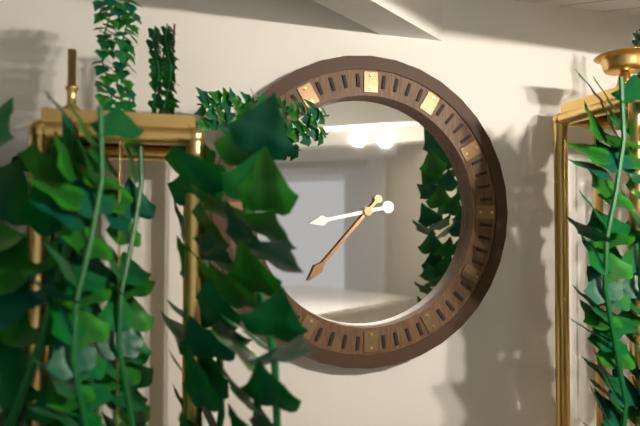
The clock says {"hour": 8, "minute": 37}
